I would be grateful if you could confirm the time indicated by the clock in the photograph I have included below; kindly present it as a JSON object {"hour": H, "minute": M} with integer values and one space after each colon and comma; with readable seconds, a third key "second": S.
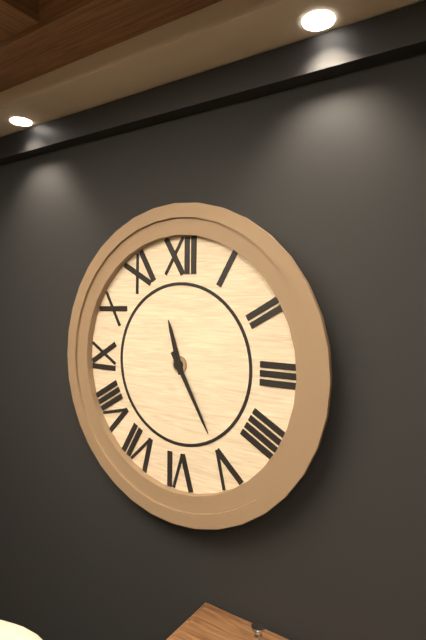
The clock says {"hour": 11, "minute": 25}
